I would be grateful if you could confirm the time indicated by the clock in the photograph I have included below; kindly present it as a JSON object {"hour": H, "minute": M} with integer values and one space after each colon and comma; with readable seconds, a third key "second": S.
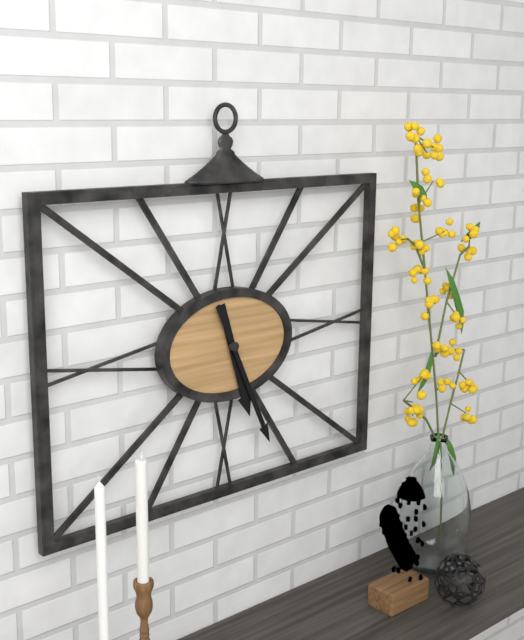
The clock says {"hour": 5, "minute": 26}
